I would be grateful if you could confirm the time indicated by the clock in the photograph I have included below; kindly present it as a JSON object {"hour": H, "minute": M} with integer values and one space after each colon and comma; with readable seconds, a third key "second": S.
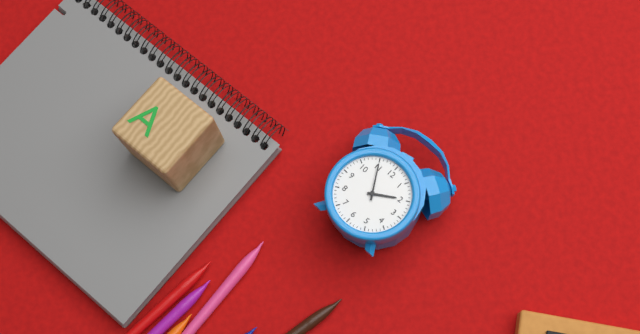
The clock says {"hour": 1, "minute": 55}
